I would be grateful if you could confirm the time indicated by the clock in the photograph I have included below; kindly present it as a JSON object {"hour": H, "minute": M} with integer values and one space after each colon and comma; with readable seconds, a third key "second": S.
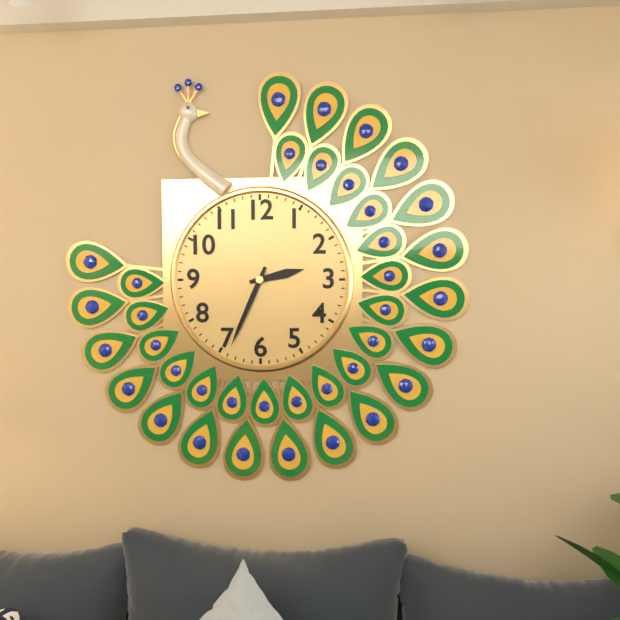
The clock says {"hour": 2, "minute": 34}
